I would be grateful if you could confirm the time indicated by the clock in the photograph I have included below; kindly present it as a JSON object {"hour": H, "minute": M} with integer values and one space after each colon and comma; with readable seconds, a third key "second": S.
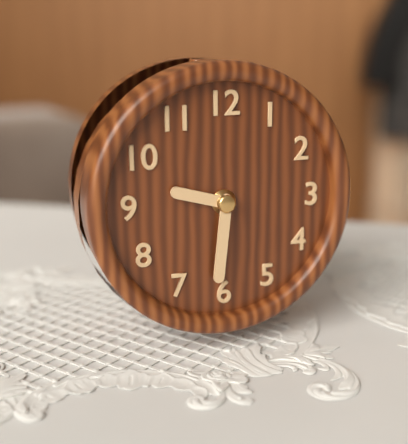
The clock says {"hour": 9, "minute": 31}
